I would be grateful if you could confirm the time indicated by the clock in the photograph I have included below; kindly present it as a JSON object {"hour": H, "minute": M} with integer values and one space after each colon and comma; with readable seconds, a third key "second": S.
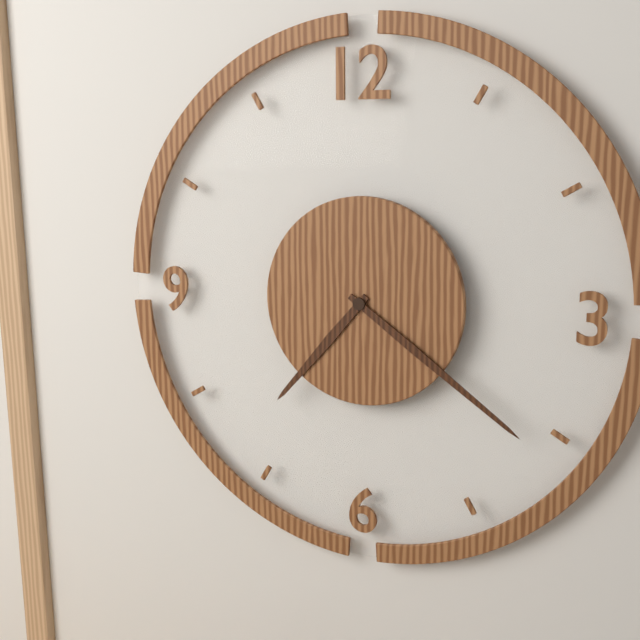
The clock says {"hour": 7, "minute": 21}
